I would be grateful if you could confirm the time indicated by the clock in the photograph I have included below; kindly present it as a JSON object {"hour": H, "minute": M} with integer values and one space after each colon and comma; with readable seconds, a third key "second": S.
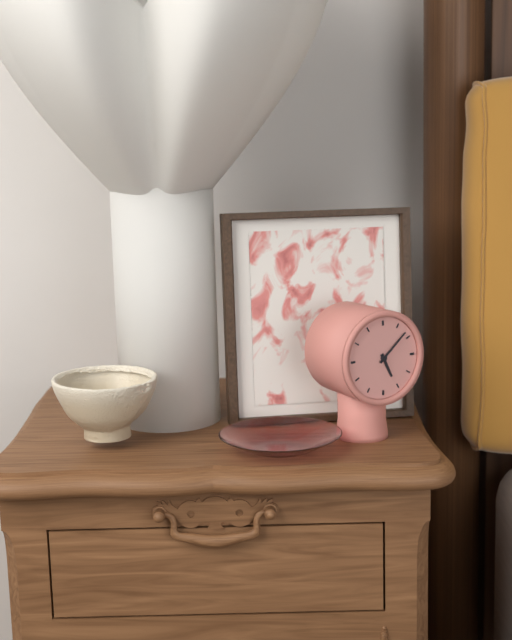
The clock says {"hour": 5, "minute": 8}
